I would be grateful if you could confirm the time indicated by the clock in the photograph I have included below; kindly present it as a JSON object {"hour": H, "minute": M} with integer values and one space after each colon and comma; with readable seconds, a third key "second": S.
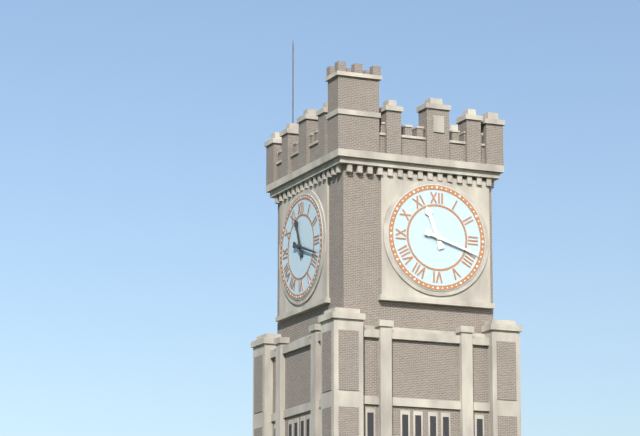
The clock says {"hour": 11, "minute": 18}
